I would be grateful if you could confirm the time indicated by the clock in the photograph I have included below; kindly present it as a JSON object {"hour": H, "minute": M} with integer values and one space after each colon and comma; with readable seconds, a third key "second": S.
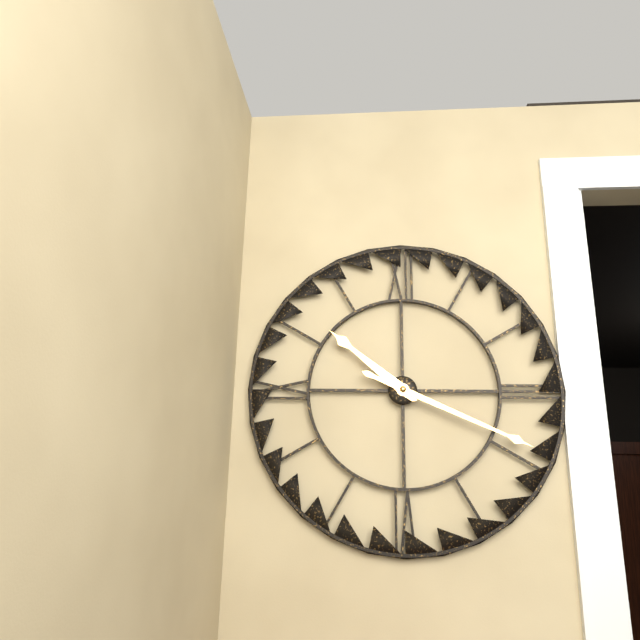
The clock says {"hour": 10, "minute": 19}
